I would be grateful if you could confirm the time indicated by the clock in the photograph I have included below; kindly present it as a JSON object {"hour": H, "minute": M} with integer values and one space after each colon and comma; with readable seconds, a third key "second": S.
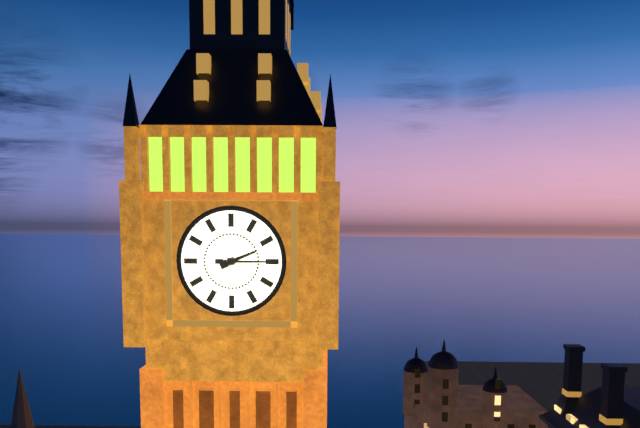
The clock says {"hour": 2, "minute": 15}
